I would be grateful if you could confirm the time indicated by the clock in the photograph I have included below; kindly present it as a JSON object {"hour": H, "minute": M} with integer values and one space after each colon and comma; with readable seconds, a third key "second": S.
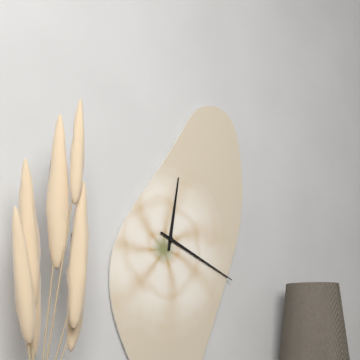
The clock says {"hour": 12, "minute": 19}
